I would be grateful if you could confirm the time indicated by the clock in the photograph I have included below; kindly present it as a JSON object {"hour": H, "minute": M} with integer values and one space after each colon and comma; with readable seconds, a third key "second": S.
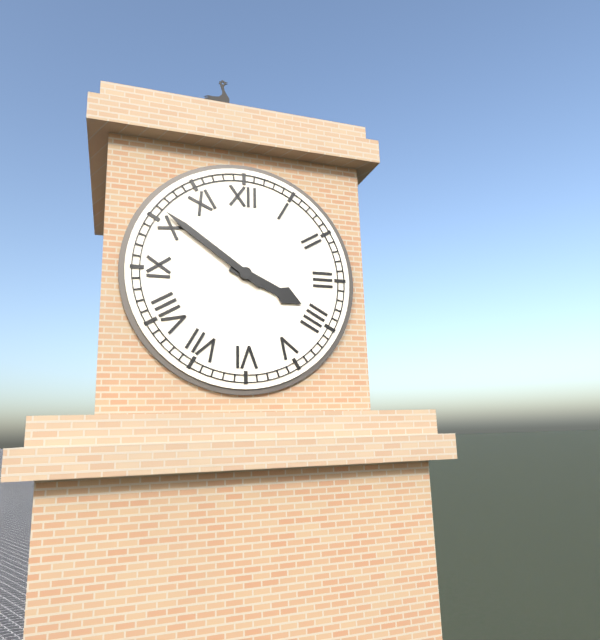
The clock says {"hour": 3, "minute": 51}
